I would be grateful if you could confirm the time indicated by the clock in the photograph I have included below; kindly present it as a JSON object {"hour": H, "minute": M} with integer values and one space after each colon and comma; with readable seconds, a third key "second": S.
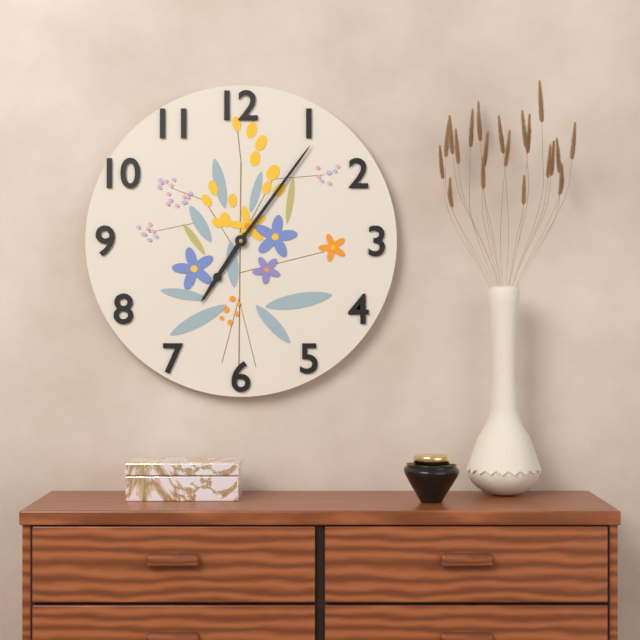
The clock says {"hour": 7, "minute": 6}
